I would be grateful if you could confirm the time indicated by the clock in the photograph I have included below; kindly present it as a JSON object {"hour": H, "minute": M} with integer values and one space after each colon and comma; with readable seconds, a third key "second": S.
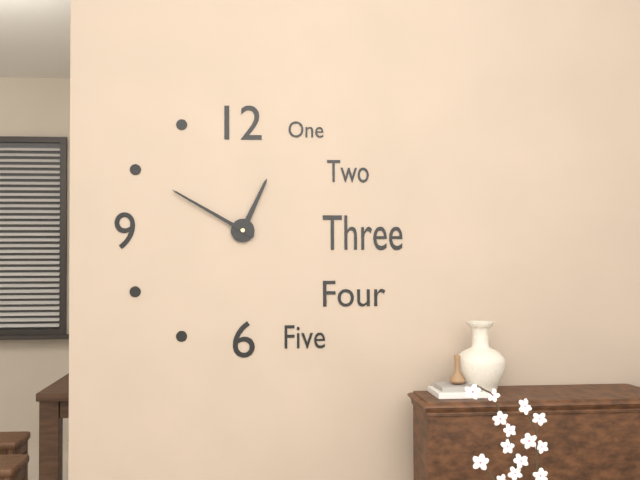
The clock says {"hour": 12, "minute": 50}
